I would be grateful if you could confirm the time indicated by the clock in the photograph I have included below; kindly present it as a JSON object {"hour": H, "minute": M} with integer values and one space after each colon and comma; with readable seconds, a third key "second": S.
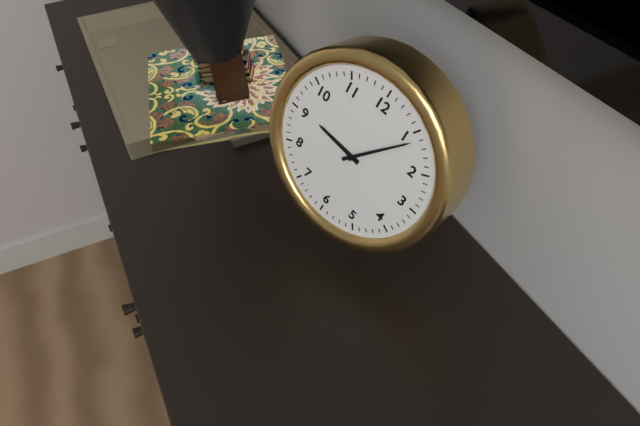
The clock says {"hour": 9, "minute": 6}
